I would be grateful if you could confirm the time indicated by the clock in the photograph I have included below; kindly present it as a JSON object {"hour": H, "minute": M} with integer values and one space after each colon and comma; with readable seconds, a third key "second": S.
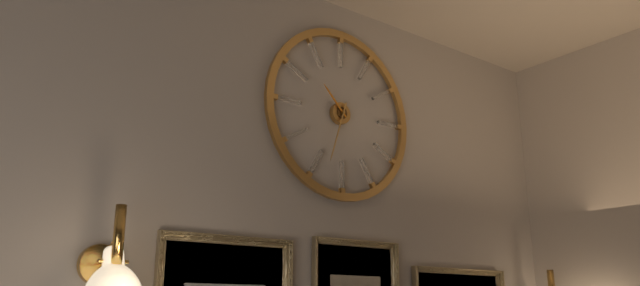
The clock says {"hour": 10, "minute": 33}
